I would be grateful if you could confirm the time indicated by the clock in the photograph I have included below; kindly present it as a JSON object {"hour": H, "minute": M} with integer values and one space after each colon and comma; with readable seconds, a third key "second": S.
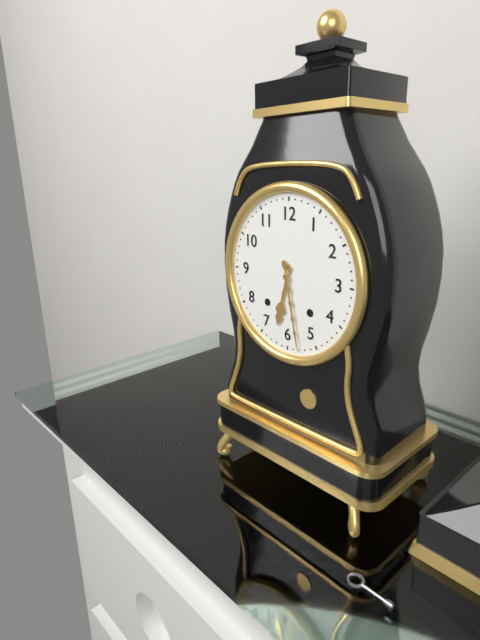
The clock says {"hour": 6, "minute": 28}
